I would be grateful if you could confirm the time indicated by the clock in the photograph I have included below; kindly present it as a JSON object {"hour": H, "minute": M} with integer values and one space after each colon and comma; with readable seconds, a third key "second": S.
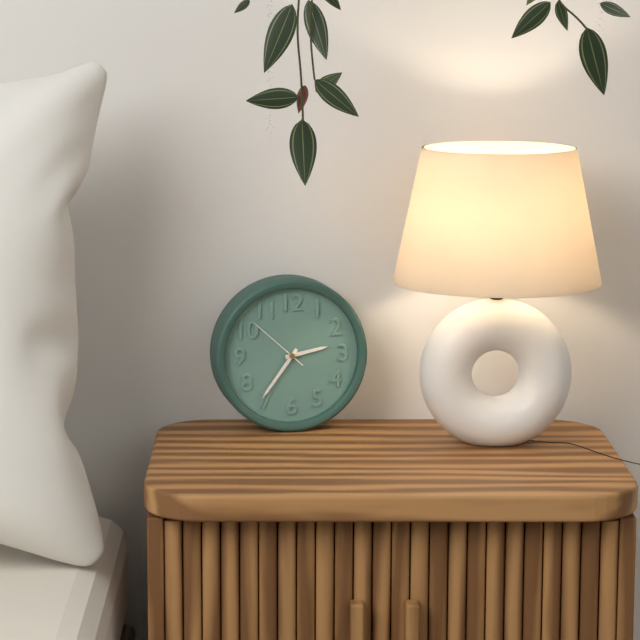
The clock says {"hour": 2, "minute": 36, "second": 52}
